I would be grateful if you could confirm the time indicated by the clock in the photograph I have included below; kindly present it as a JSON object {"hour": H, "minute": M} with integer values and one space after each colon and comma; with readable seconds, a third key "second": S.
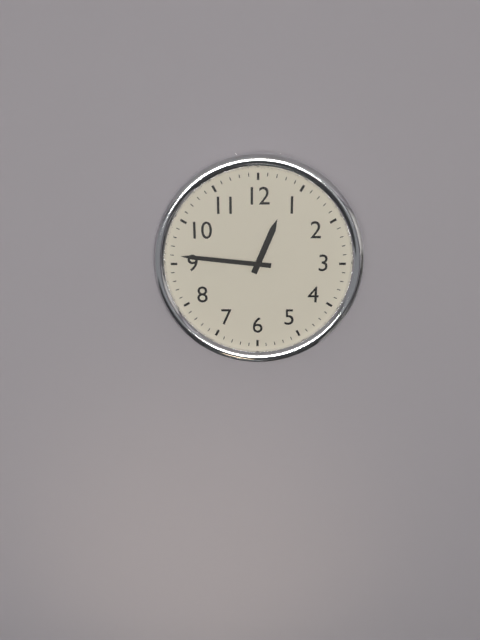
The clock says {"hour": 12, "minute": 46}
